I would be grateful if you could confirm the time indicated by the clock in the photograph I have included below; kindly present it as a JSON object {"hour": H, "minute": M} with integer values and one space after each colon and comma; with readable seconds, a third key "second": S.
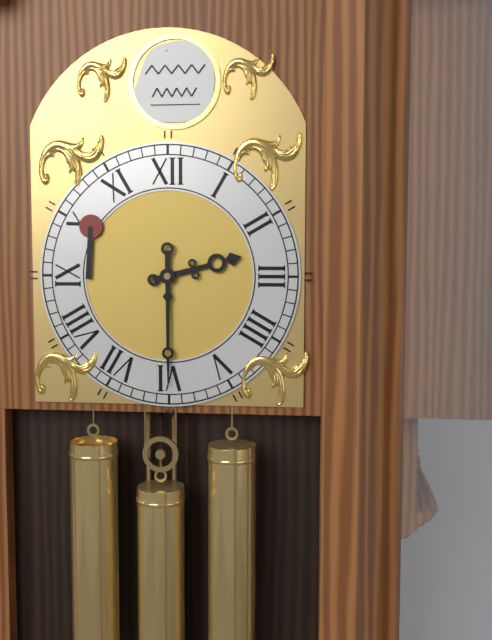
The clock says {"hour": 2, "minute": 30}
